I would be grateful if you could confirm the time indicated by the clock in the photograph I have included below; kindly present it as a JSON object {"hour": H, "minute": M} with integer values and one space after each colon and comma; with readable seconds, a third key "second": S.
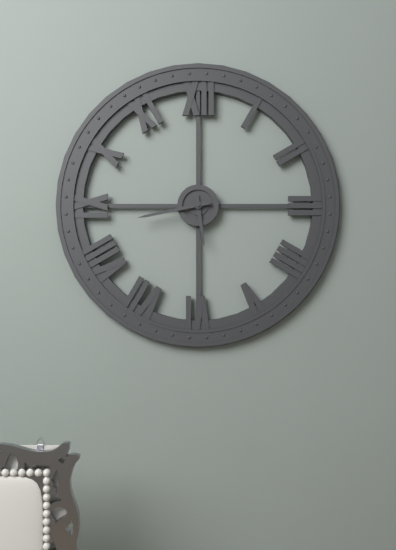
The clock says {"hour": 5, "minute": 43}
